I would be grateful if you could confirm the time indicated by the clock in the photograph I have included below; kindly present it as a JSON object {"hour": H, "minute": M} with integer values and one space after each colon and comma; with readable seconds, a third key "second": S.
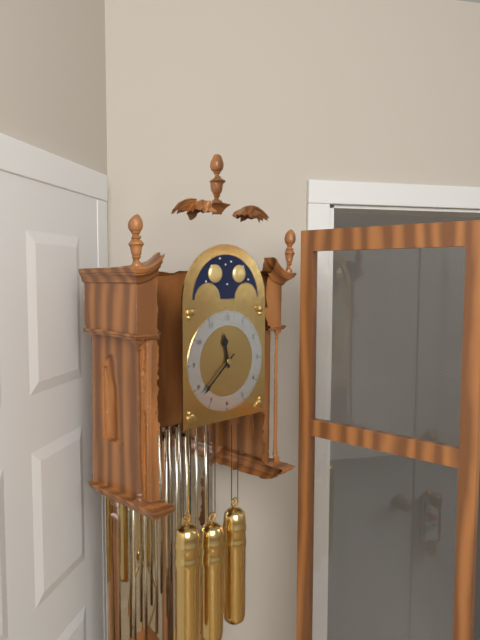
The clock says {"hour": 11, "minute": 38}
